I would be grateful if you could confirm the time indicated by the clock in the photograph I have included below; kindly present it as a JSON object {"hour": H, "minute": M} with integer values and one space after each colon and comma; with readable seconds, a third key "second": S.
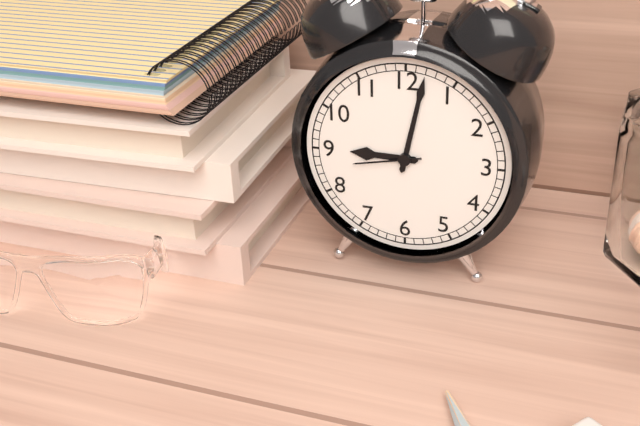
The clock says {"hour": 9, "minute": 2, "second": 43}
